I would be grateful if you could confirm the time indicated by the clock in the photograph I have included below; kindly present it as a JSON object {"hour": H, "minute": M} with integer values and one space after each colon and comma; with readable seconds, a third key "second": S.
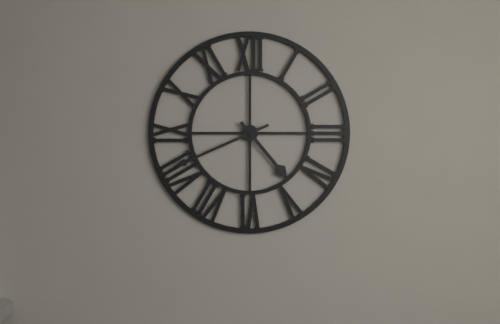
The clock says {"hour": 4, "minute": 41}
